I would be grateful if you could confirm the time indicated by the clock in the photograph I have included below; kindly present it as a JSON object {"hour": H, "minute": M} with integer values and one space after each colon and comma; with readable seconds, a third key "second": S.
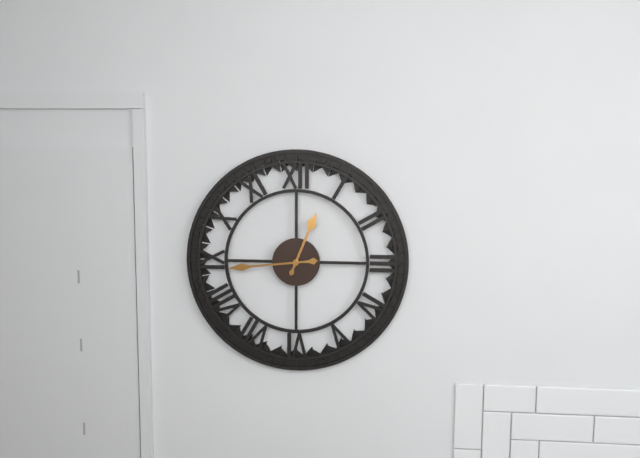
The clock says {"hour": 12, "minute": 44}
